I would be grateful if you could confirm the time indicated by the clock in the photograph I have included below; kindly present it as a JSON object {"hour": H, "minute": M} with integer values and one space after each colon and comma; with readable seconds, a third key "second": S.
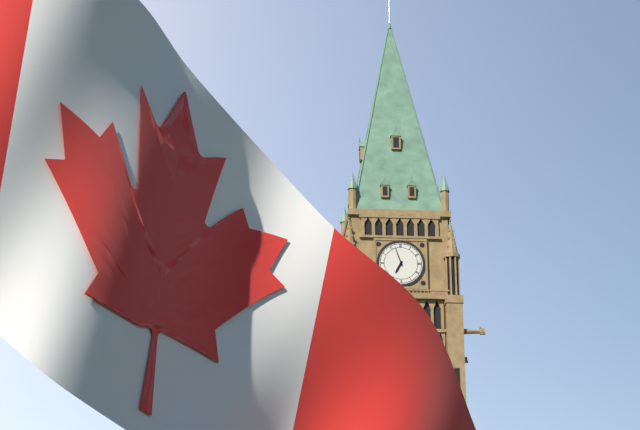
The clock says {"hour": 6, "minute": 57}
